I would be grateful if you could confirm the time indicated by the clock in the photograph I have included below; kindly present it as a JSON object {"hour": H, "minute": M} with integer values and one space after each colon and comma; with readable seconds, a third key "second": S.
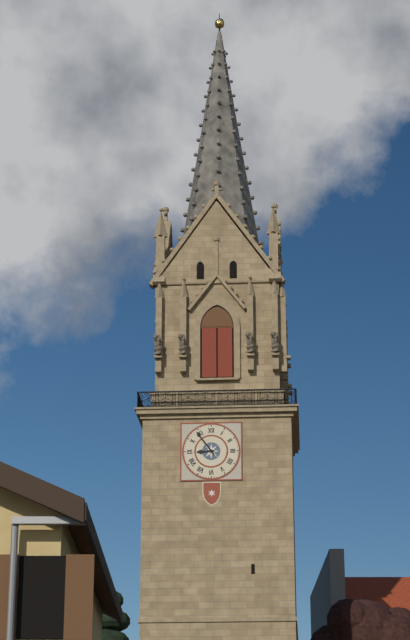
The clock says {"hour": 8, "minute": 54}
